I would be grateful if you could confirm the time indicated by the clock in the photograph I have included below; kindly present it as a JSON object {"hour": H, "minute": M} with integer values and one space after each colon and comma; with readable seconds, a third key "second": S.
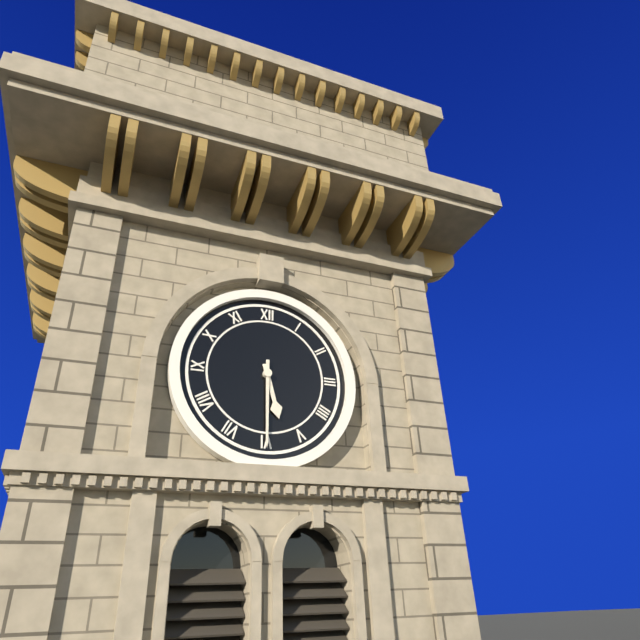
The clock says {"hour": 5, "minute": 30}
